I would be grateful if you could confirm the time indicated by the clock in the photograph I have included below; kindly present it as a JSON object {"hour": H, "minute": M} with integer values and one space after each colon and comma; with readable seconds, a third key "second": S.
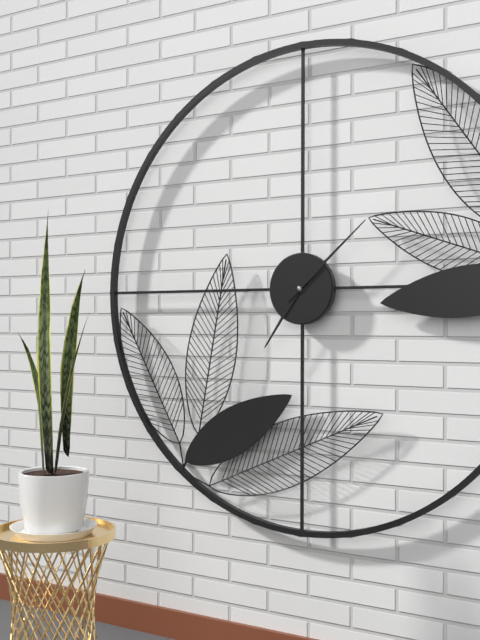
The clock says {"hour": 7, "minute": 8}
